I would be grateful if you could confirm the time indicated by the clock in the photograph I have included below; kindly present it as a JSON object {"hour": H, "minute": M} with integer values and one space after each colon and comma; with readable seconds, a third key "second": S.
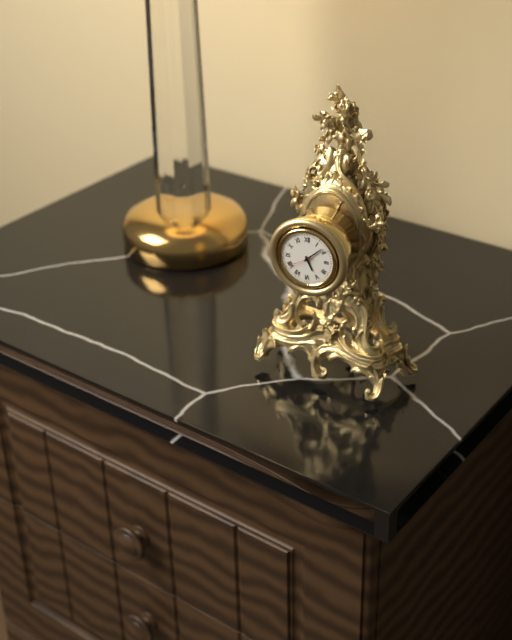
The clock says {"hour": 5, "minute": 8}
